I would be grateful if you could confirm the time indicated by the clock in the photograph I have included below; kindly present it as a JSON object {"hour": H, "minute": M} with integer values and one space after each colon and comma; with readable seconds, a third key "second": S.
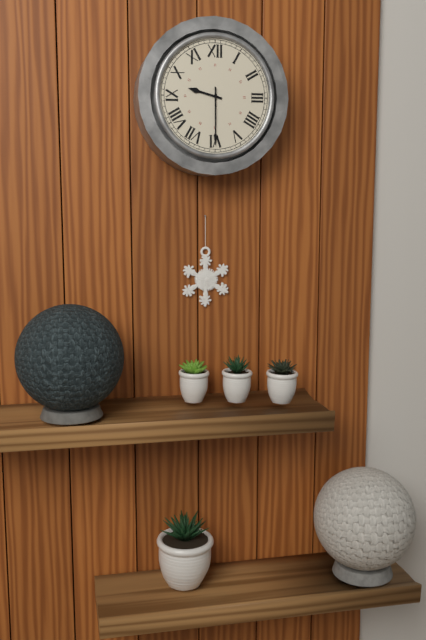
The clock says {"hour": 9, "minute": 30}
